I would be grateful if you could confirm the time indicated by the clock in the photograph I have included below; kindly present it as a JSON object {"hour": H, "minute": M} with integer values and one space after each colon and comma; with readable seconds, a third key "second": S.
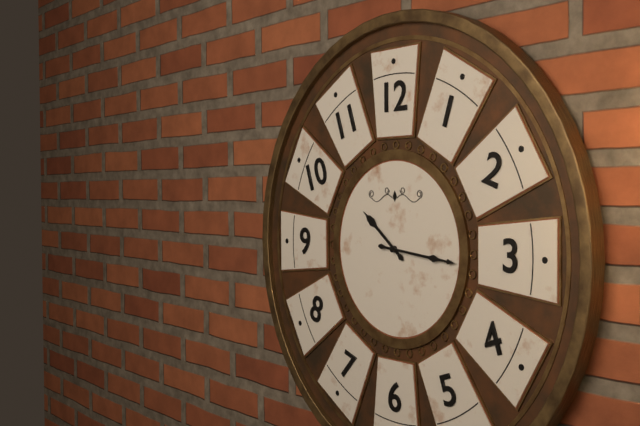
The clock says {"hour": 10, "minute": 16}
